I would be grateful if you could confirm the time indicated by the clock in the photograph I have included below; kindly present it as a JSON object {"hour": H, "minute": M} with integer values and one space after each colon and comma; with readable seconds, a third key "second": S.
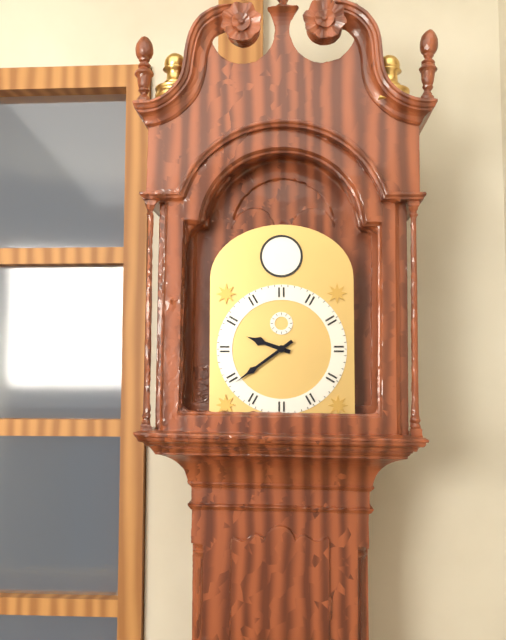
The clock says {"hour": 9, "minute": 39}
